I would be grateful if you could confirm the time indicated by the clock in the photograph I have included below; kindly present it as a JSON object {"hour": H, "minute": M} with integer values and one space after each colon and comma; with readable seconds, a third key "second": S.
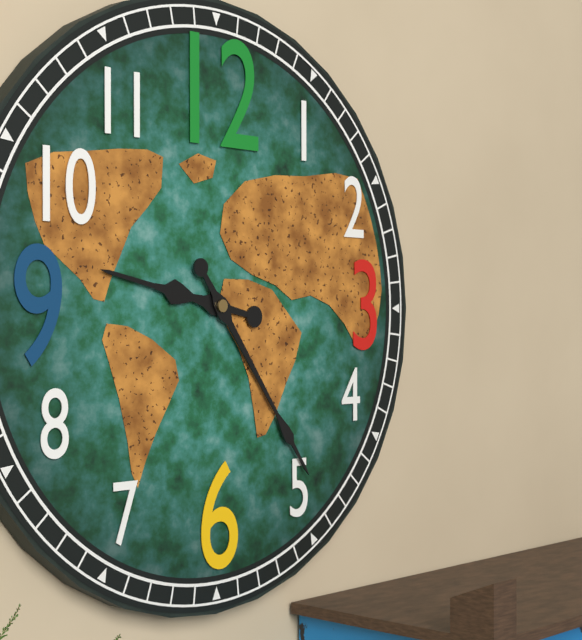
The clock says {"hour": 9, "minute": 24}
